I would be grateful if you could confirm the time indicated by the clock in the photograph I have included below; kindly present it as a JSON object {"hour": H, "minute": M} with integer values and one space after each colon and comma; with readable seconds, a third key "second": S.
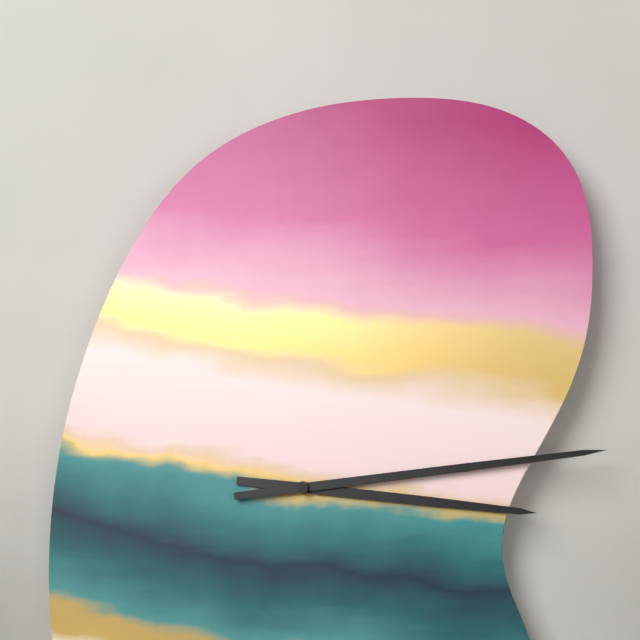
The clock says {"hour": 3, "minute": 14}
